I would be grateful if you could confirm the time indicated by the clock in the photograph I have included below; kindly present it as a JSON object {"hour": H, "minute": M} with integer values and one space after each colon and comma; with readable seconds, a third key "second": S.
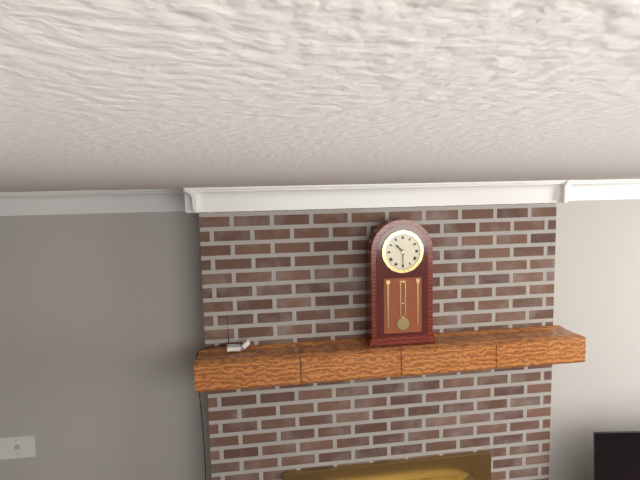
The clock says {"hour": 10, "minute": 30}
